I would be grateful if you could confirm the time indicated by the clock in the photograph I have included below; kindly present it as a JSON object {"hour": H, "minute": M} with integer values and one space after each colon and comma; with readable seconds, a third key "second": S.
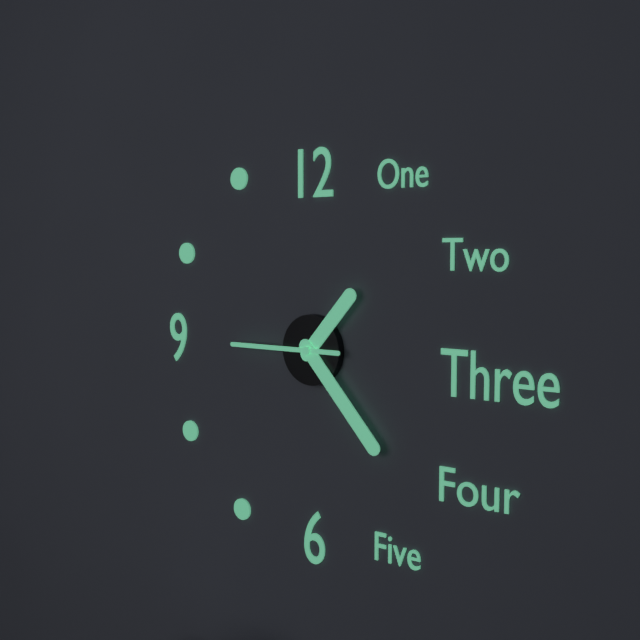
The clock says {"hour": 1, "minute": 23, "second": 45}
